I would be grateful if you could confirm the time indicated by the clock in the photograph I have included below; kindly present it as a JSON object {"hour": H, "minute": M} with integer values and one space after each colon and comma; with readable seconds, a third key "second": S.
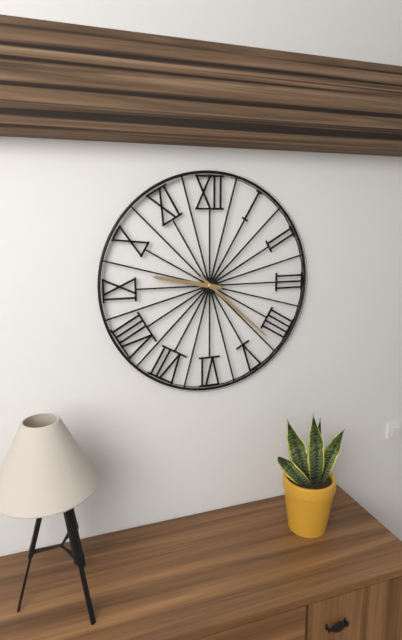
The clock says {"hour": 9, "minute": 22}
